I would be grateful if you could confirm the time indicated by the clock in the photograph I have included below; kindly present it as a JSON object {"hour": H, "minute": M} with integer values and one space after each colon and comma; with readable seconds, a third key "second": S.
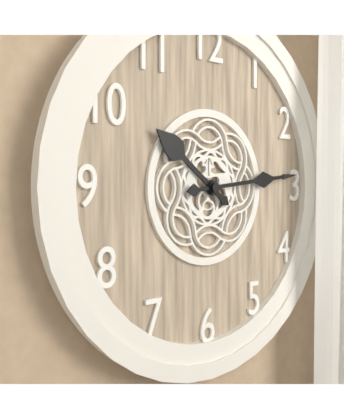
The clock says {"hour": 10, "minute": 14}
